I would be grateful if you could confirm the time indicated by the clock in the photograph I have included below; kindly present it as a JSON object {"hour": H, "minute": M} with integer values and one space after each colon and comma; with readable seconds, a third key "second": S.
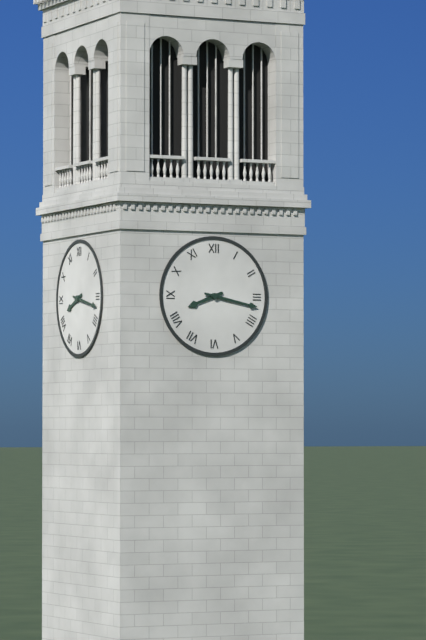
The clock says {"hour": 8, "minute": 17}
